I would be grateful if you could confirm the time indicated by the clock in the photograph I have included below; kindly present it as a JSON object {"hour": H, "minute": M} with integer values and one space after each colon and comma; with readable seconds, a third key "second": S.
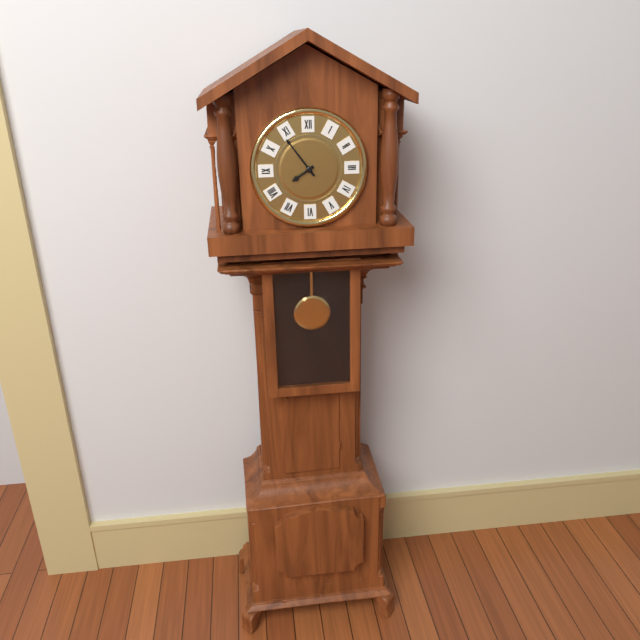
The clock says {"hour": 7, "minute": 54}
